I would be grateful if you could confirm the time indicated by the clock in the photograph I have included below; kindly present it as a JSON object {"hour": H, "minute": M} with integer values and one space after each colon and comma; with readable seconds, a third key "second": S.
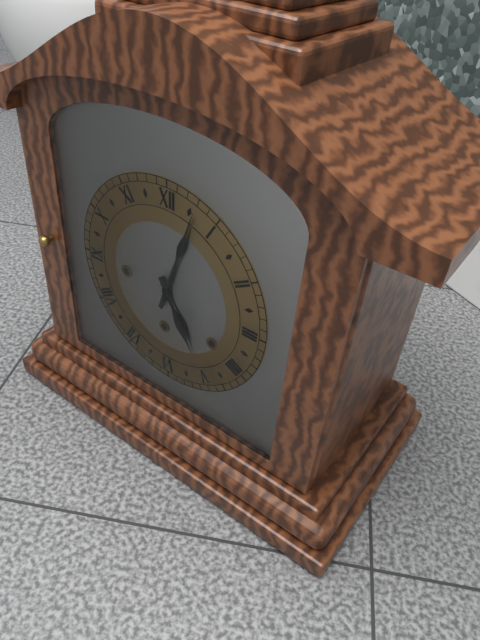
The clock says {"hour": 5, "minute": 3}
